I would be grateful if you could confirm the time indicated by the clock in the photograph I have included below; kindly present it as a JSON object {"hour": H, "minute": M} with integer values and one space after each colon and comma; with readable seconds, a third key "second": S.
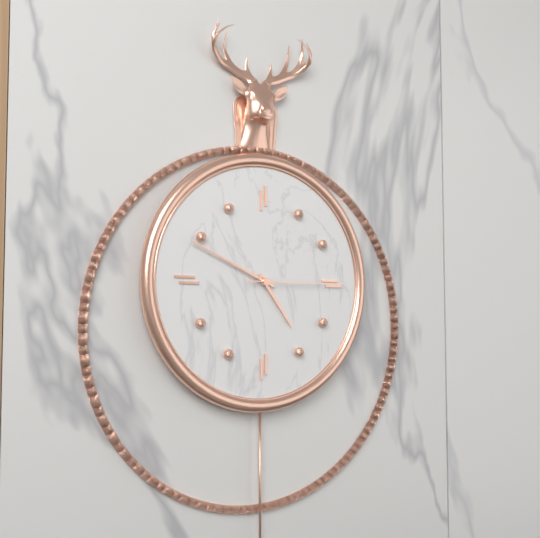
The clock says {"hour": 4, "minute": 49, "second": 15}
